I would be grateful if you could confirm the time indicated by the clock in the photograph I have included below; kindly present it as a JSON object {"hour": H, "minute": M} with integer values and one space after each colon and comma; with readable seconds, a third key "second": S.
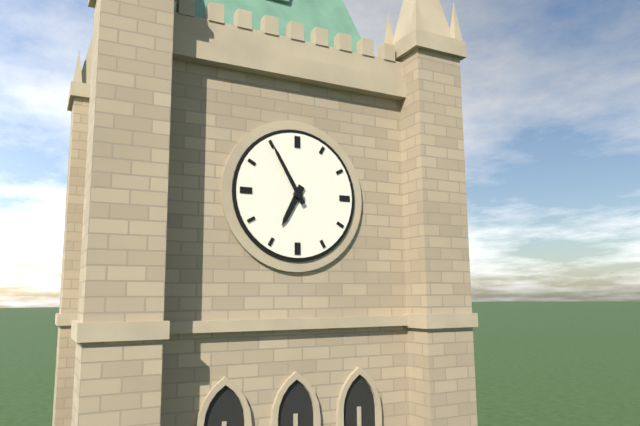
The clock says {"hour": 6, "minute": 55}
